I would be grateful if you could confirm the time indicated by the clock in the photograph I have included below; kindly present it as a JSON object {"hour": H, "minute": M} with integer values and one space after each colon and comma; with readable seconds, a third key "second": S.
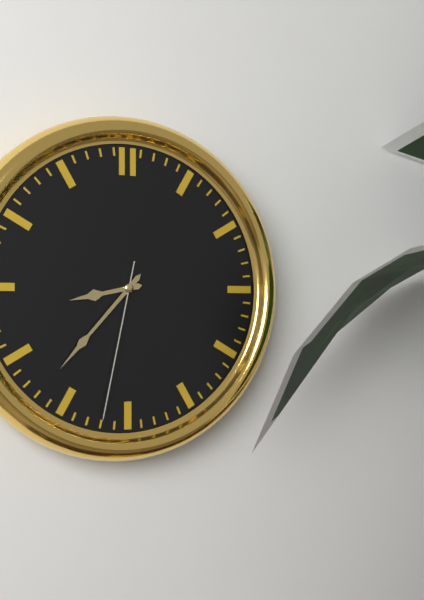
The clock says {"hour": 8, "minute": 37, "second": 32}
